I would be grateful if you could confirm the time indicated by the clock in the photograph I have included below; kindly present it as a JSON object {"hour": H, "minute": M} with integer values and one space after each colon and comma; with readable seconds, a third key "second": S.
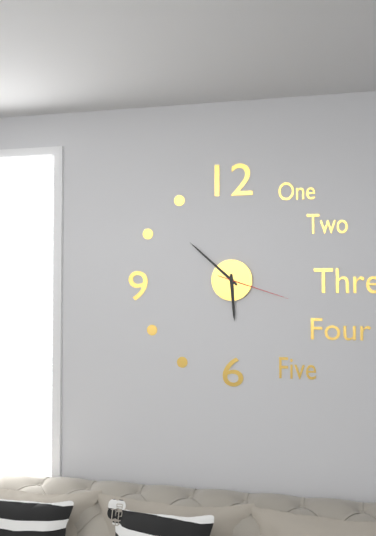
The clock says {"hour": 5, "minute": 52, "second": 18}
